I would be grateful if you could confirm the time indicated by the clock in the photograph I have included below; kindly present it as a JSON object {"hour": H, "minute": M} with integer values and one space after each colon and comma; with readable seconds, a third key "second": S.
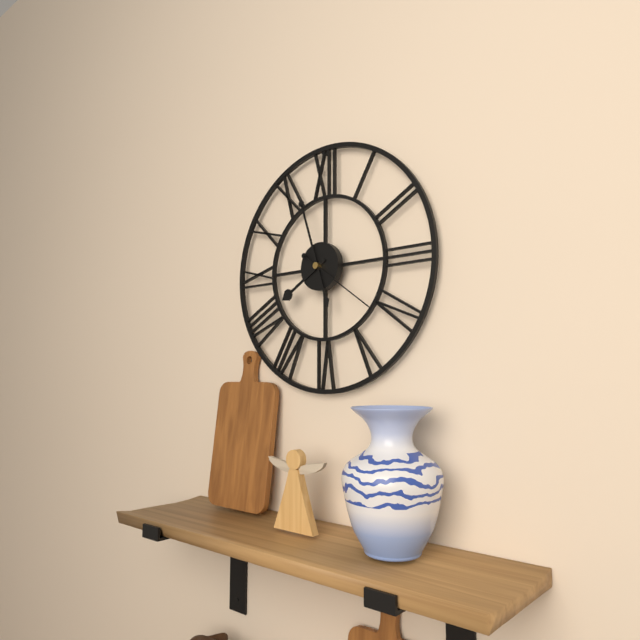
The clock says {"hour": 7, "minute": 57, "second": 21}
